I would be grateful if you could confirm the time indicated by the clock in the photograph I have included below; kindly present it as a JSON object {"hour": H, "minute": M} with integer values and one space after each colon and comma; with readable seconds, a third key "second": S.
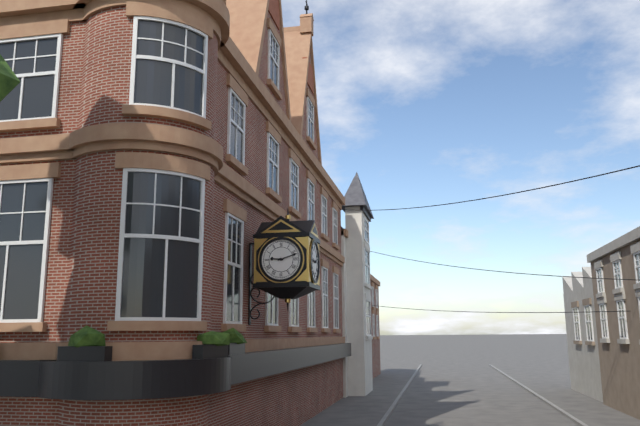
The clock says {"hour": 9, "minute": 12}
